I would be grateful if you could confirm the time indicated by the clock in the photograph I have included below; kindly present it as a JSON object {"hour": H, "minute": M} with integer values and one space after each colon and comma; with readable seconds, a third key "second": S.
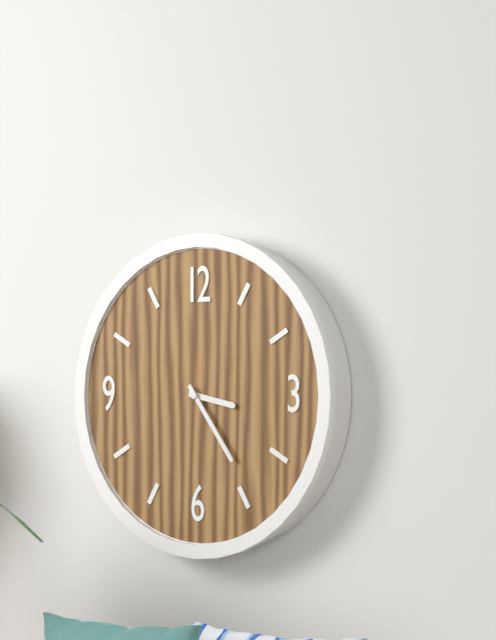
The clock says {"hour": 3, "minute": 24}
